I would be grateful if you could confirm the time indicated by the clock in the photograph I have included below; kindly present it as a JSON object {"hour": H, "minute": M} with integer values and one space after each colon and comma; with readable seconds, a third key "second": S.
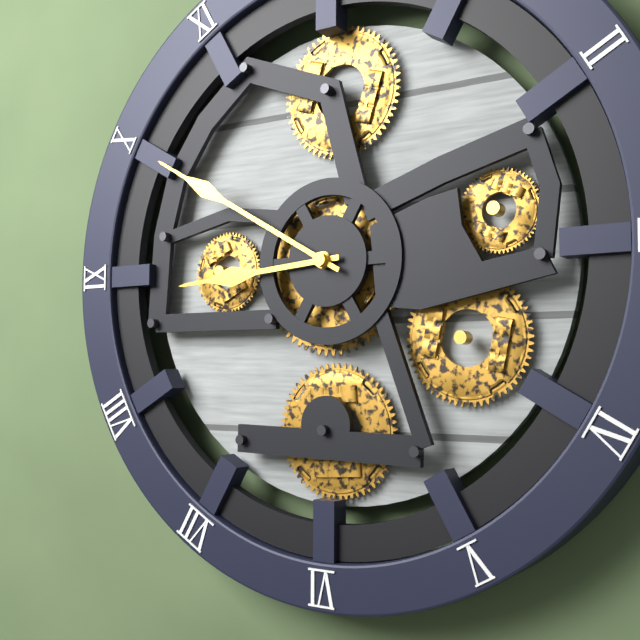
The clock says {"hour": 8, "minute": 50}
